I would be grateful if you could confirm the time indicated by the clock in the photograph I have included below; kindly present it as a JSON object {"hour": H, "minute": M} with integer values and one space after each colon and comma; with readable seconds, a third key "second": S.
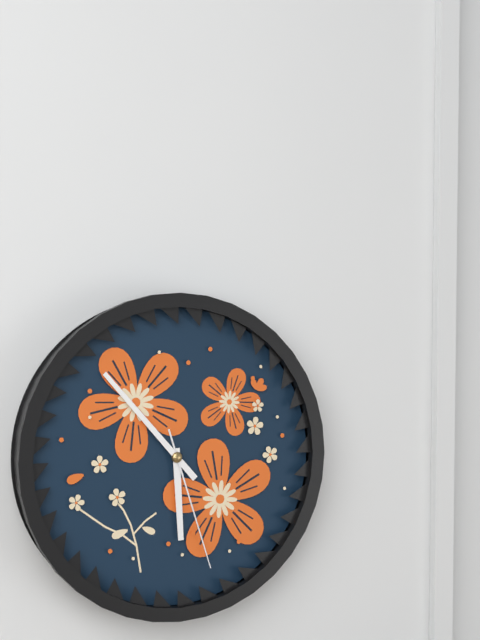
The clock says {"hour": 5, "minute": 53, "second": 27}
